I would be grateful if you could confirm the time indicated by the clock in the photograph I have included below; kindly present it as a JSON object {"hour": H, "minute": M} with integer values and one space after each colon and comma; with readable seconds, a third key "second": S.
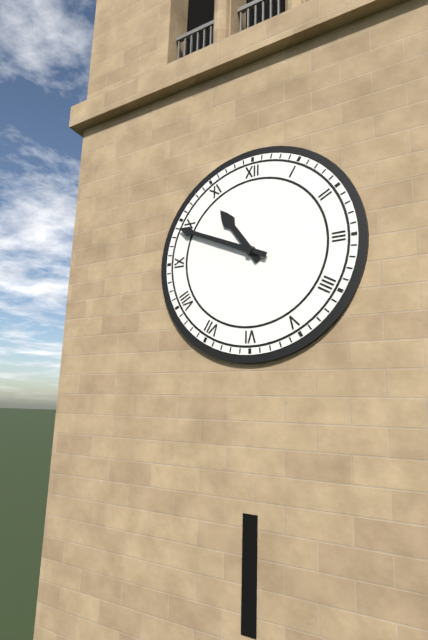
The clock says {"hour": 10, "minute": 49}
